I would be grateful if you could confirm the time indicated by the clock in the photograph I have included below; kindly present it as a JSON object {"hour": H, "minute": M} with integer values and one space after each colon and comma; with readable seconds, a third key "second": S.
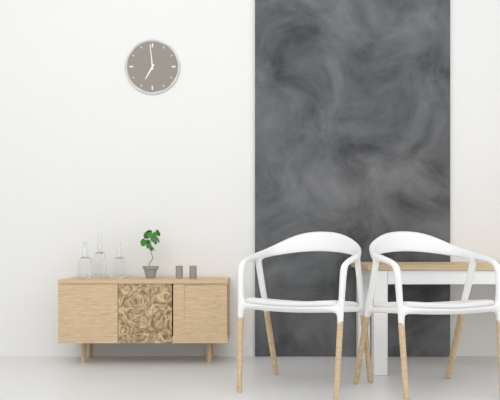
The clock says {"hour": 6, "minute": 59}
